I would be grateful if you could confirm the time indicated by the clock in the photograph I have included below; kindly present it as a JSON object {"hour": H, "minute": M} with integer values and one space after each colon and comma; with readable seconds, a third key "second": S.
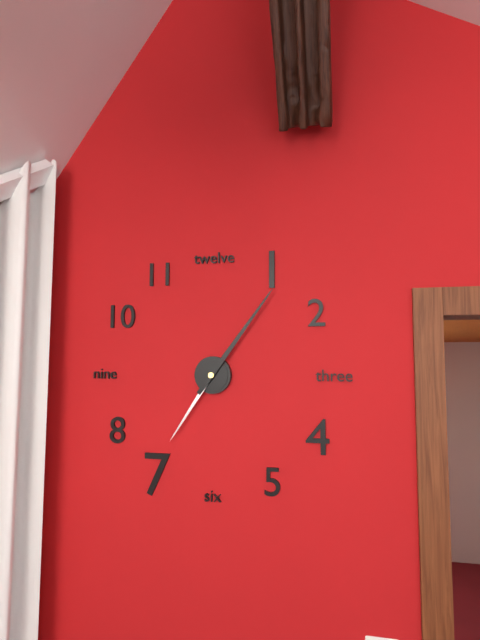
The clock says {"hour": 7, "minute": 6}
